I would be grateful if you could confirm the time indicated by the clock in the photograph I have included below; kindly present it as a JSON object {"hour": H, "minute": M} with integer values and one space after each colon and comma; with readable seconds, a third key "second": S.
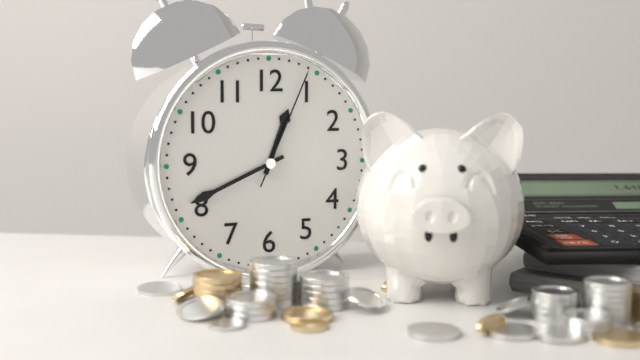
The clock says {"hour": 12, "minute": 41, "second": 4}
